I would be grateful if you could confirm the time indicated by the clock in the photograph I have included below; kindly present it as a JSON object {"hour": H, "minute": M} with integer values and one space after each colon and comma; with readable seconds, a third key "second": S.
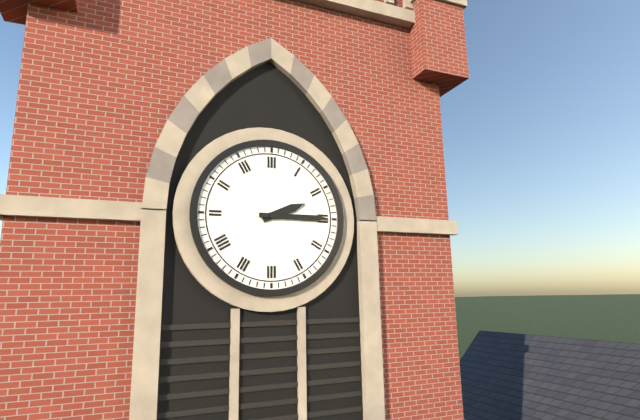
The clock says {"hour": 2, "minute": 15}
